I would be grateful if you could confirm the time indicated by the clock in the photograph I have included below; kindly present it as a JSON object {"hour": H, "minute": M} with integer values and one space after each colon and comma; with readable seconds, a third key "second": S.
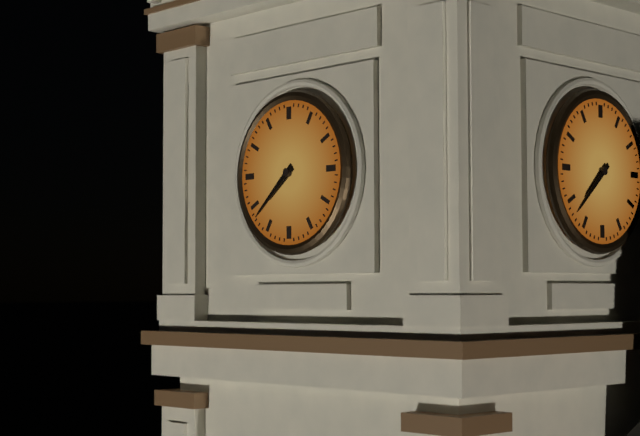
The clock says {"hour": 7, "minute": 38}
